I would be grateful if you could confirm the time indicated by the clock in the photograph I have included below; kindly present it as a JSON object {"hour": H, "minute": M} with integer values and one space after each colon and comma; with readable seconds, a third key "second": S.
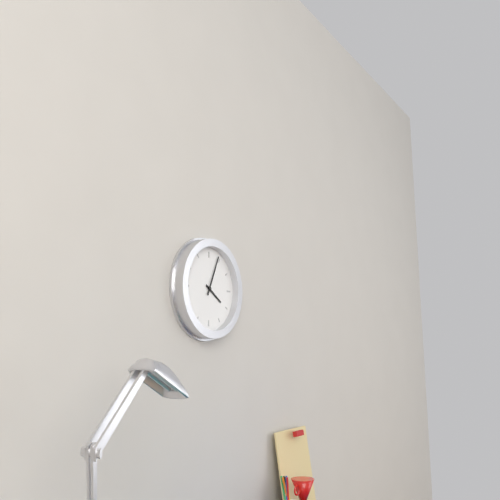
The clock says {"hour": 4, "minute": 4}
